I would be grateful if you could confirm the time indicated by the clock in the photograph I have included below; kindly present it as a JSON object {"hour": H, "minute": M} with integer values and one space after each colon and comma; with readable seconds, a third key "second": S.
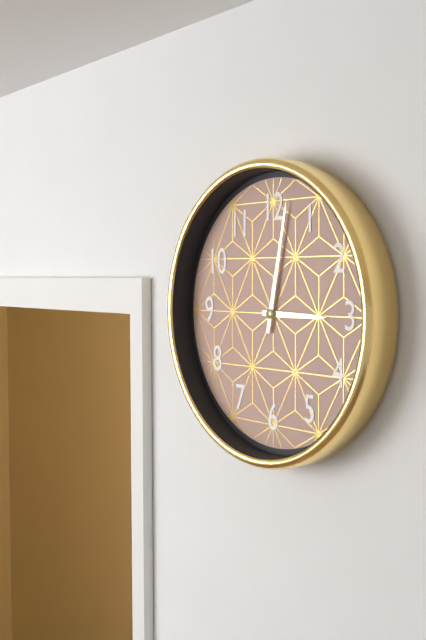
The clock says {"hour": 3, "minute": 2}
